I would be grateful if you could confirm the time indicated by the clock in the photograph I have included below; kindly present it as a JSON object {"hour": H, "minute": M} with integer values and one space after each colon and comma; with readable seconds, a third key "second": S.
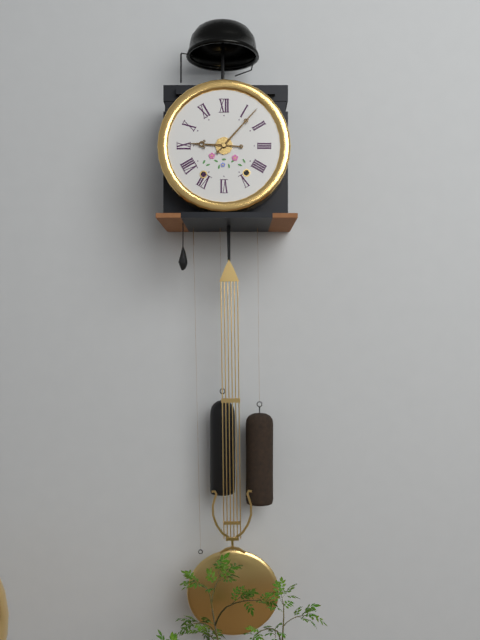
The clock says {"hour": 9, "minute": 7}
